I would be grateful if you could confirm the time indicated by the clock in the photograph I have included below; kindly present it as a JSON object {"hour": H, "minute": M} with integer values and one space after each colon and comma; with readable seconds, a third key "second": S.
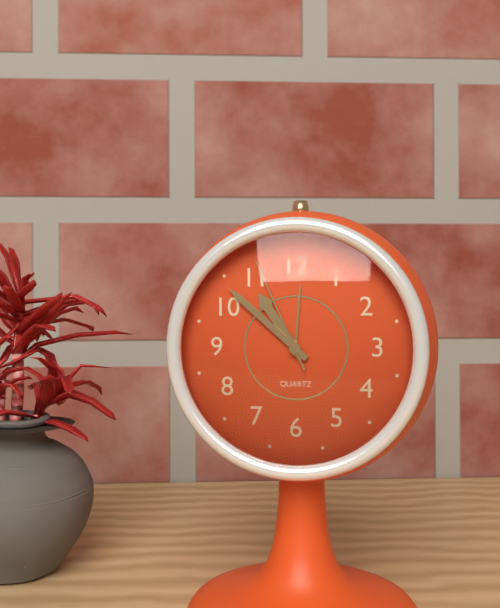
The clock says {"hour": 10, "minute": 52, "second": 56}
